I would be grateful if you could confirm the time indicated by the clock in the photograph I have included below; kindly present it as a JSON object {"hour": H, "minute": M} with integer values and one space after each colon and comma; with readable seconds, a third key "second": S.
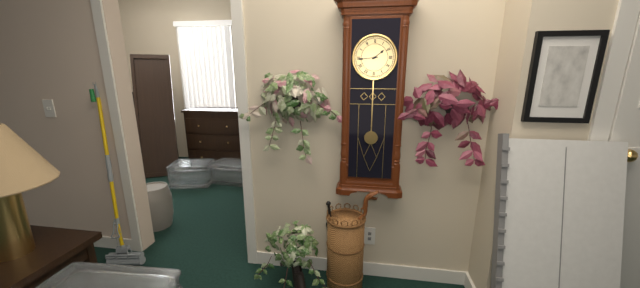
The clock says {"hour": 1, "minute": 44}
